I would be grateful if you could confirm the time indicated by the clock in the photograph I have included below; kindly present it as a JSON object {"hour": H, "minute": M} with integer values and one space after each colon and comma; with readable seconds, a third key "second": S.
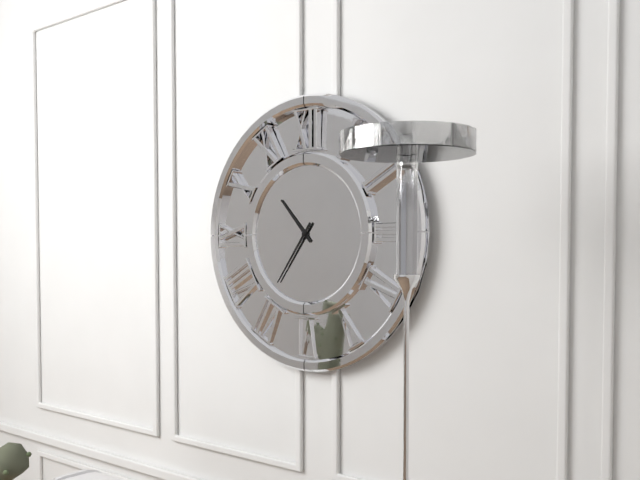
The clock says {"hour": 10, "minute": 36}
